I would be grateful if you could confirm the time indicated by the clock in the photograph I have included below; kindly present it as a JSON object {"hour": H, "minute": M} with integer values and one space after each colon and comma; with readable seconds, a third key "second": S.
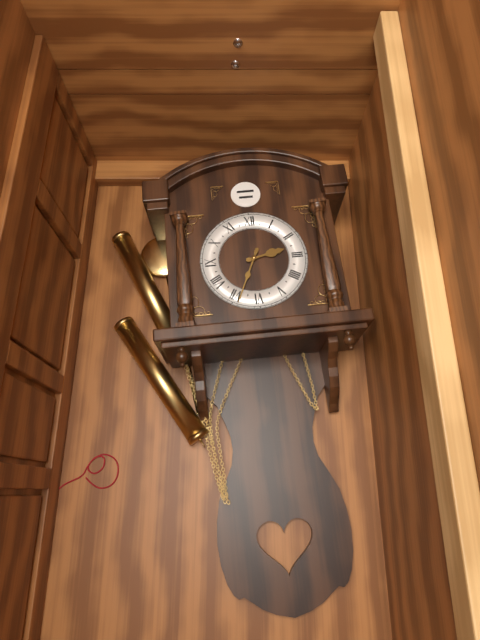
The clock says {"hour": 2, "minute": 34}
